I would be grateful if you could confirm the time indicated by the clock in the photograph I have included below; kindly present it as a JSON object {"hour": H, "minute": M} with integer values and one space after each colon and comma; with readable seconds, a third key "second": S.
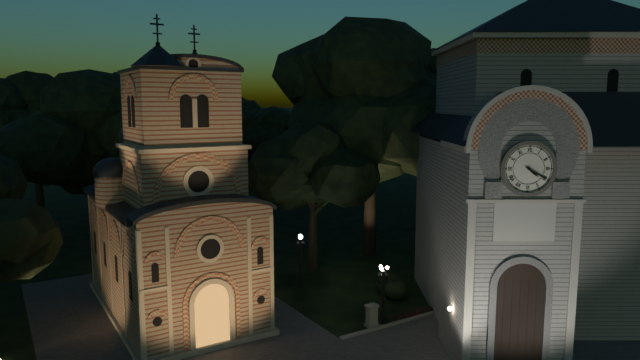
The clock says {"hour": 4, "minute": 20}
